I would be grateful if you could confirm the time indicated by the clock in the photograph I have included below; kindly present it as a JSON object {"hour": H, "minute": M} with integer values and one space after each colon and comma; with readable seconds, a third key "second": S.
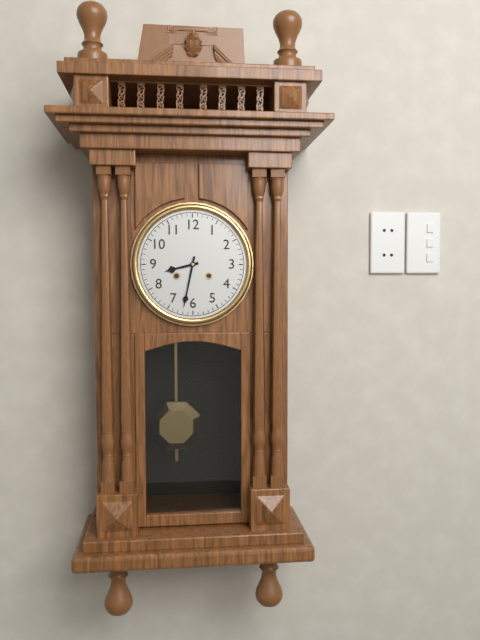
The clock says {"hour": 8, "minute": 32}
